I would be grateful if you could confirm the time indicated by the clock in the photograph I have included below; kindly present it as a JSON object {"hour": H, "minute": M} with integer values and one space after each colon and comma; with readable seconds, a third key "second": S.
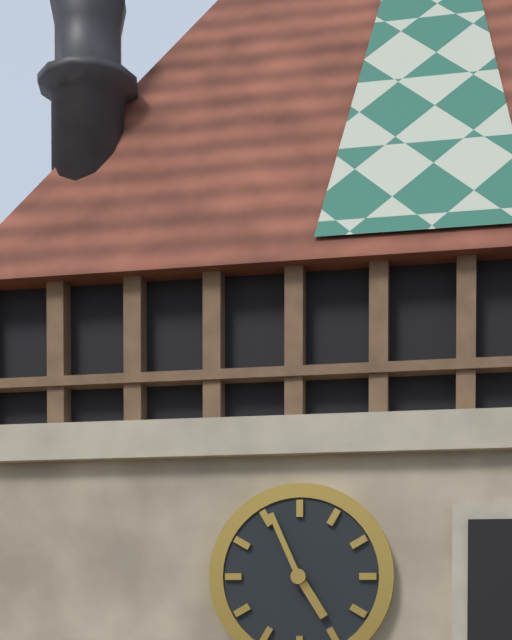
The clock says {"hour": 4, "minute": 56}
